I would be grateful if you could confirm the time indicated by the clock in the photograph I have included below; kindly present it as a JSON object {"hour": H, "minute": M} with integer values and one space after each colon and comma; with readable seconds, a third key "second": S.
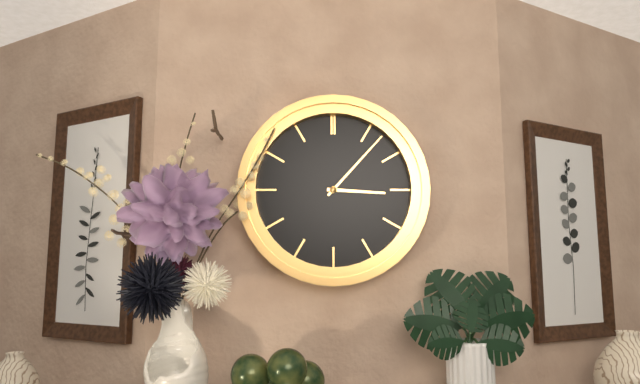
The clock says {"hour": 3, "minute": 7}
